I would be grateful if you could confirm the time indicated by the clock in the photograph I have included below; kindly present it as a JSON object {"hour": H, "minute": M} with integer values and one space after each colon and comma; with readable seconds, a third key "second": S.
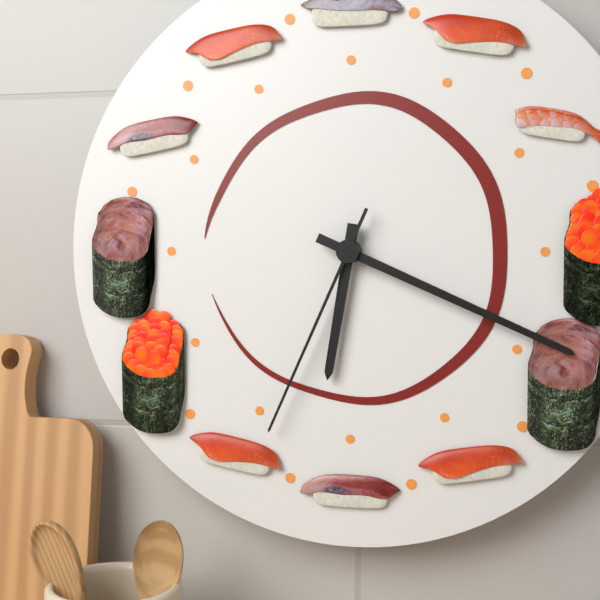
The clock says {"hour": 6, "minute": 19, "second": 34}
